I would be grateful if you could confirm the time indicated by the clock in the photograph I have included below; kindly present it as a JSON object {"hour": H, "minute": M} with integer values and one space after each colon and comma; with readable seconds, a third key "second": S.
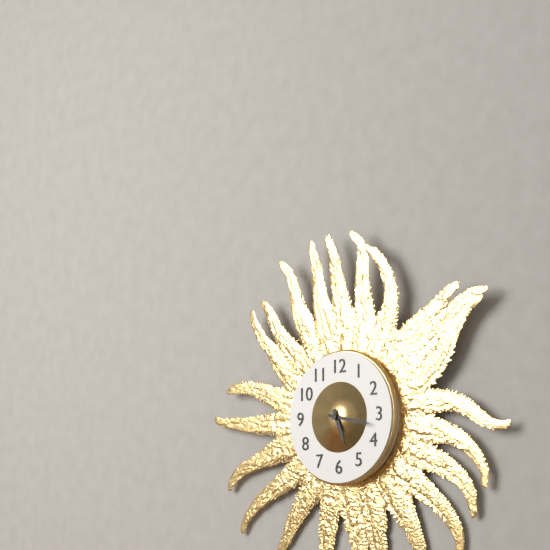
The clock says {"hour": 5, "minute": 17}
